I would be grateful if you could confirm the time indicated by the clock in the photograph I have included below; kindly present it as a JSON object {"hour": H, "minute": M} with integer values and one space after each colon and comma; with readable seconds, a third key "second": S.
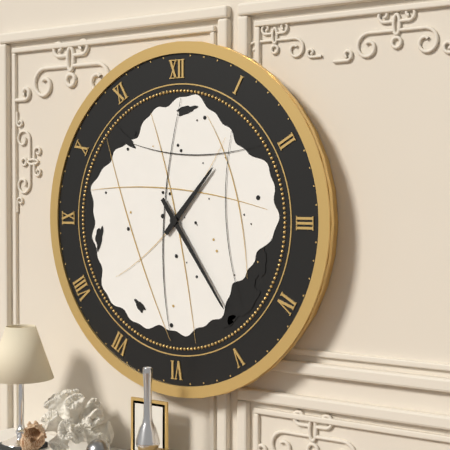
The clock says {"hour": 1, "minute": 24}
